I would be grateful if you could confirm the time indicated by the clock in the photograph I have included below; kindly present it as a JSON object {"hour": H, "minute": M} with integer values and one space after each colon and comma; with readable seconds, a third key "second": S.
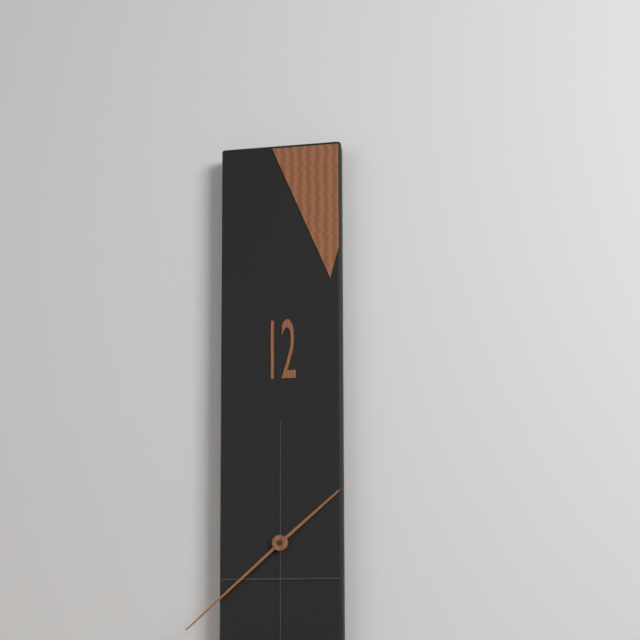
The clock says {"hour": 1, "minute": 38}
